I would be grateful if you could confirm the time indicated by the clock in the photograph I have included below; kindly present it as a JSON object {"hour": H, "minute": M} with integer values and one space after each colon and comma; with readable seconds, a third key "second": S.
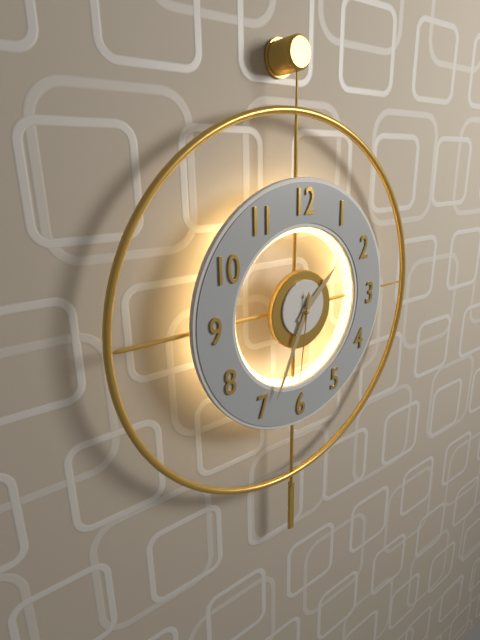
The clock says {"hour": 1, "minute": 34, "second": 31}
